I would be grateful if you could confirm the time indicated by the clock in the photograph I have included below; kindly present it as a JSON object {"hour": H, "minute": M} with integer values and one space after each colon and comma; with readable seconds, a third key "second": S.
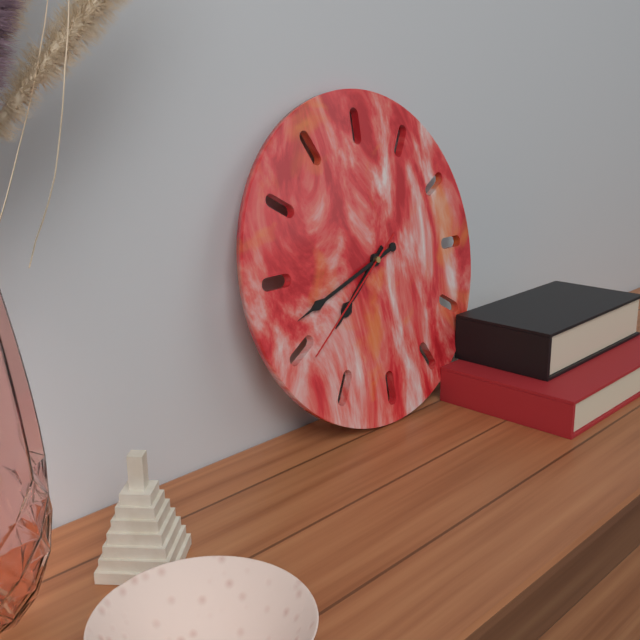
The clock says {"hour": 7, "minute": 42, "second": 39}
